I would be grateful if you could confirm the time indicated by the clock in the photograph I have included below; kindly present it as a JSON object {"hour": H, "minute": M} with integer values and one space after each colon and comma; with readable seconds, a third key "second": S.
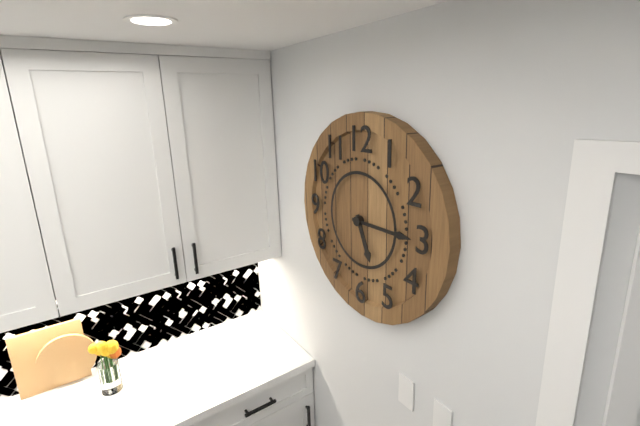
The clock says {"hour": 5, "minute": 15}
